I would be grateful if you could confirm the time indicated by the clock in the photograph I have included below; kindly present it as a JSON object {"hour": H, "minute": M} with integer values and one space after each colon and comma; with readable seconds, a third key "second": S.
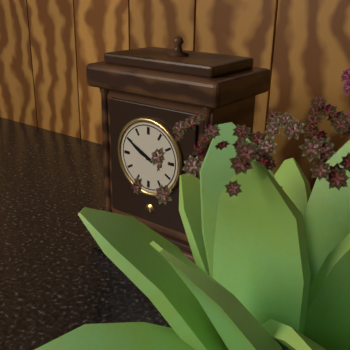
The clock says {"hour": 9, "minute": 50}
